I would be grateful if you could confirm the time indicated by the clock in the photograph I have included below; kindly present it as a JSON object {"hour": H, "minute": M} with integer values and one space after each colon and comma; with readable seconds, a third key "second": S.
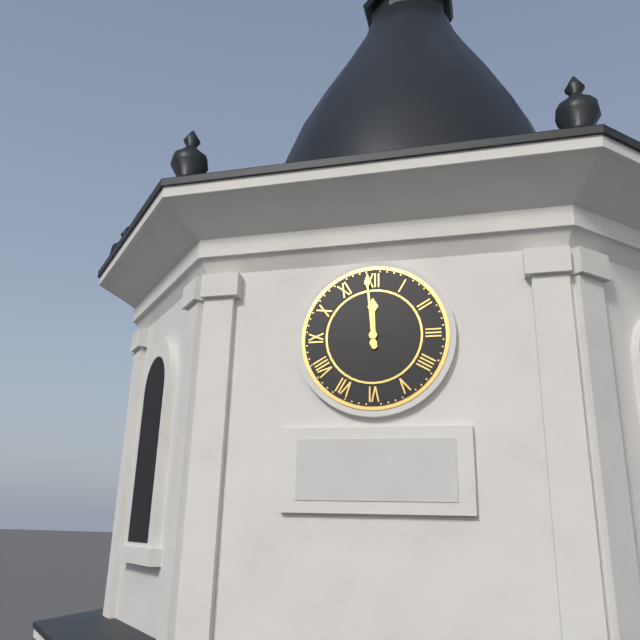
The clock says {"hour": 11, "minute": 59}
